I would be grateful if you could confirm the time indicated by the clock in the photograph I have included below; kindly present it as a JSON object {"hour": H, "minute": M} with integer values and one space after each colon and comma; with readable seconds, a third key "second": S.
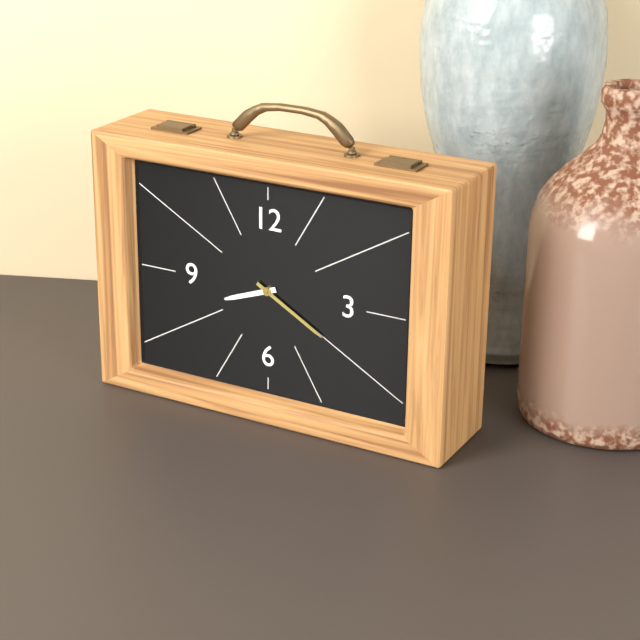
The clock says {"hour": 8, "minute": 20}
